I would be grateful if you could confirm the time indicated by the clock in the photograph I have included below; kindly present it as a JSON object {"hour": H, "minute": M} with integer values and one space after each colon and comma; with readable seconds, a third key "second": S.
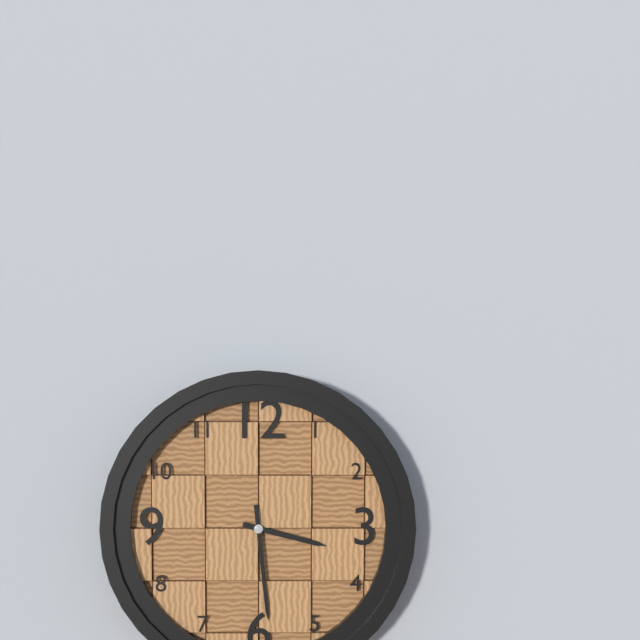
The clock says {"hour": 3, "minute": 29}
